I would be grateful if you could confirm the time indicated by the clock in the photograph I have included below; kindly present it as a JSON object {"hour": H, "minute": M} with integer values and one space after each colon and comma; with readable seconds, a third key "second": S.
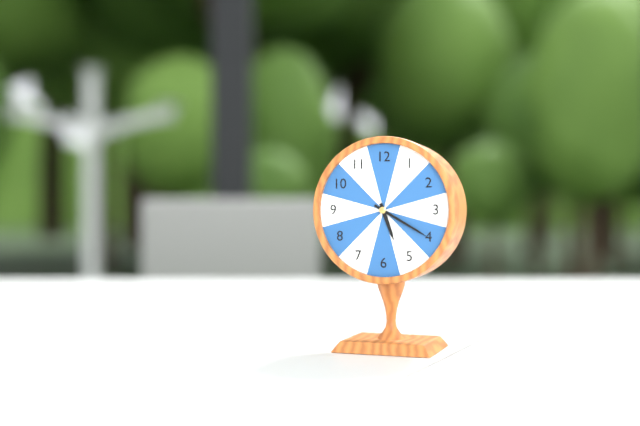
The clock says {"hour": 5, "minute": 20}
